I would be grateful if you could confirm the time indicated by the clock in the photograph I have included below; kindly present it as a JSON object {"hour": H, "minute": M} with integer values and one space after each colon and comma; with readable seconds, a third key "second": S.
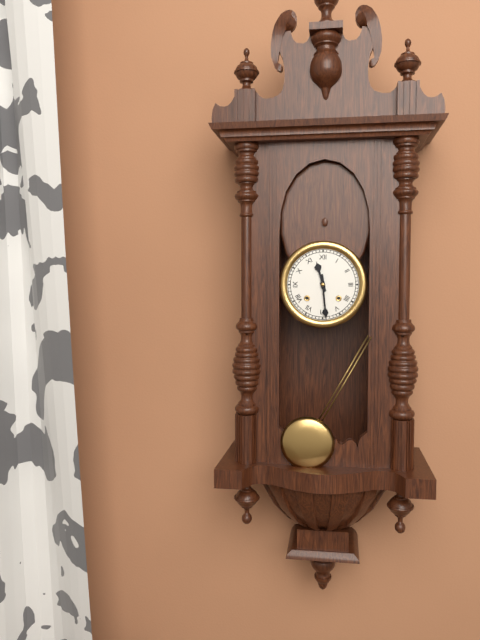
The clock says {"hour": 11, "minute": 29}
